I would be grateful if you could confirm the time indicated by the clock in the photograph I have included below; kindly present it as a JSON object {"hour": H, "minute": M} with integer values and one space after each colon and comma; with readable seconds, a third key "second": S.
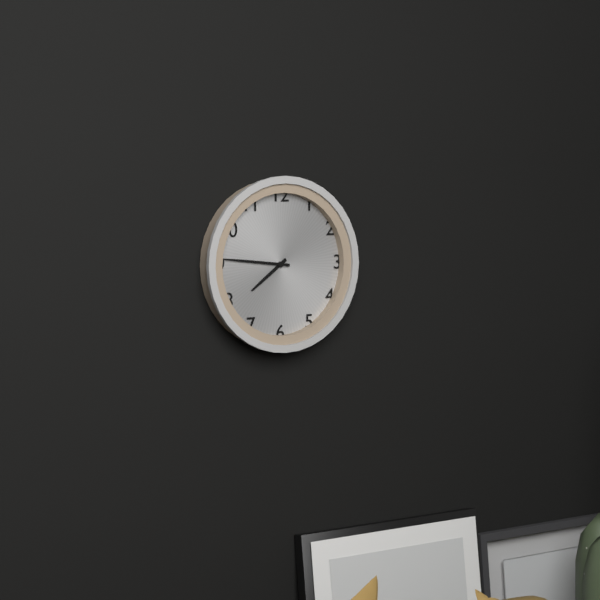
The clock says {"hour": 7, "minute": 46}
